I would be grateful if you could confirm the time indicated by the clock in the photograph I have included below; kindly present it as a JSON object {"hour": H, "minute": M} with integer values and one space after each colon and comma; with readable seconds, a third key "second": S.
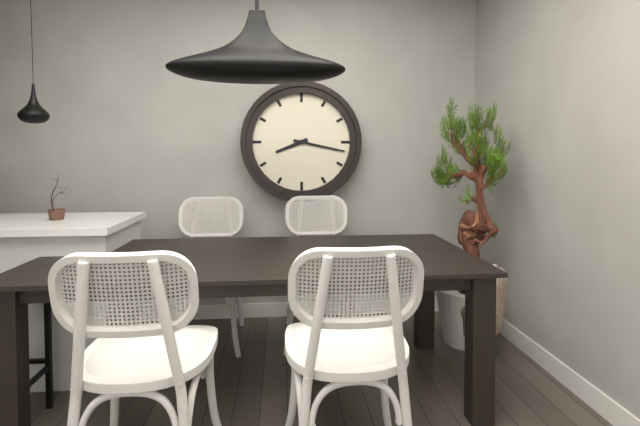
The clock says {"hour": 8, "minute": 17}
